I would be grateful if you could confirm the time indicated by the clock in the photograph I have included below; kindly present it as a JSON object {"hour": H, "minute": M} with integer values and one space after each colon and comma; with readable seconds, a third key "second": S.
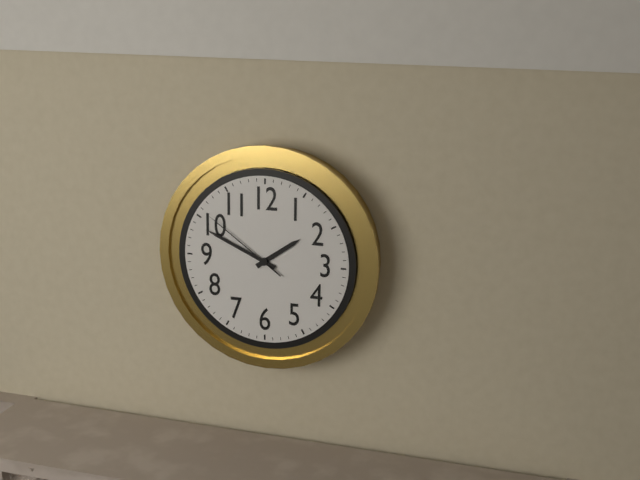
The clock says {"hour": 1, "minute": 49, "second": 51}
